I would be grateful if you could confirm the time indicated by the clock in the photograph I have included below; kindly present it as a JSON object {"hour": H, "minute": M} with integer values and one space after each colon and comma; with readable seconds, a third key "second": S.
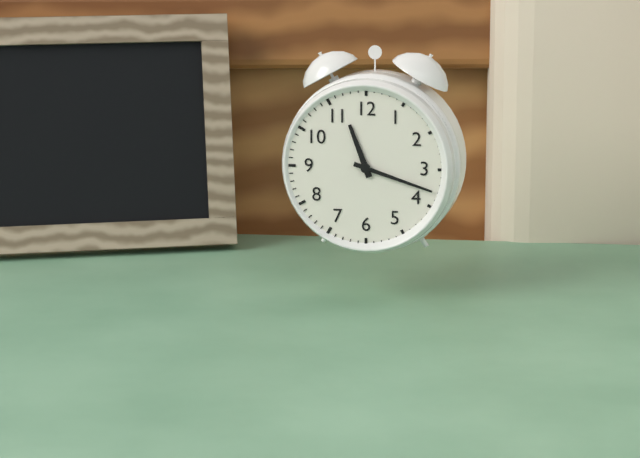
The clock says {"hour": 11, "minute": 18}
